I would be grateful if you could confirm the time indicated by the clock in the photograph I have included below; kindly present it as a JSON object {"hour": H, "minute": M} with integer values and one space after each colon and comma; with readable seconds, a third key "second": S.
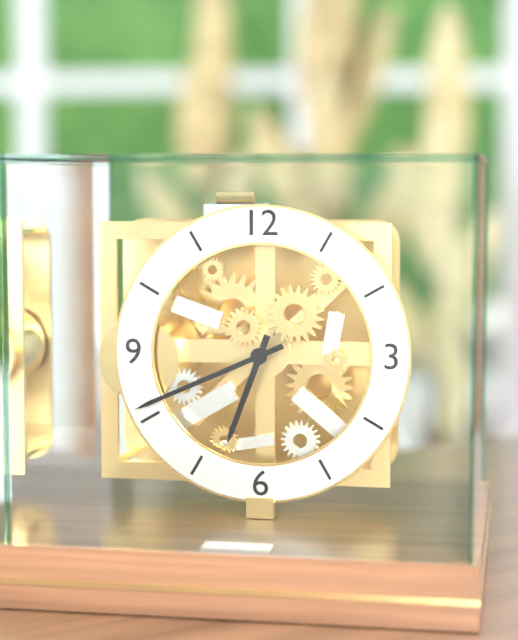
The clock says {"hour": 6, "minute": 41}
